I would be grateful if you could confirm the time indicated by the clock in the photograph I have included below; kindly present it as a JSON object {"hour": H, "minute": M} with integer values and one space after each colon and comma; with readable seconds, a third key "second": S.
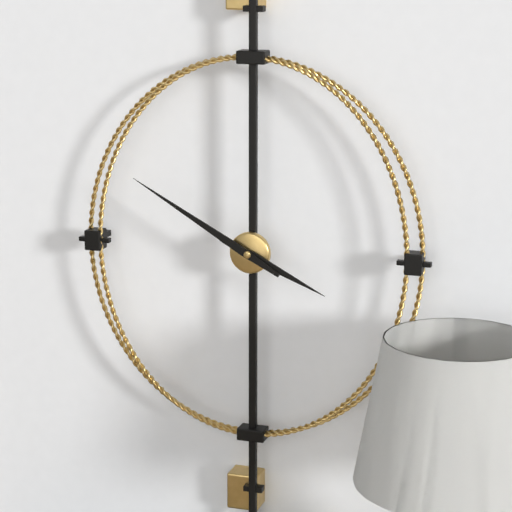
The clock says {"hour": 3, "minute": 50}
